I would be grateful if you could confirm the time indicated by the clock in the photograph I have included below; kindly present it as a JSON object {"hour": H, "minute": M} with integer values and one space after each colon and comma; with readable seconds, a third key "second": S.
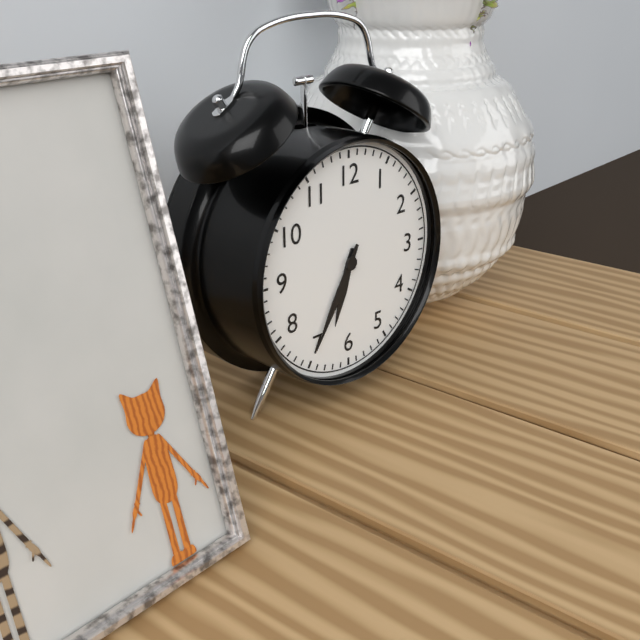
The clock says {"hour": 6, "minute": 35}
